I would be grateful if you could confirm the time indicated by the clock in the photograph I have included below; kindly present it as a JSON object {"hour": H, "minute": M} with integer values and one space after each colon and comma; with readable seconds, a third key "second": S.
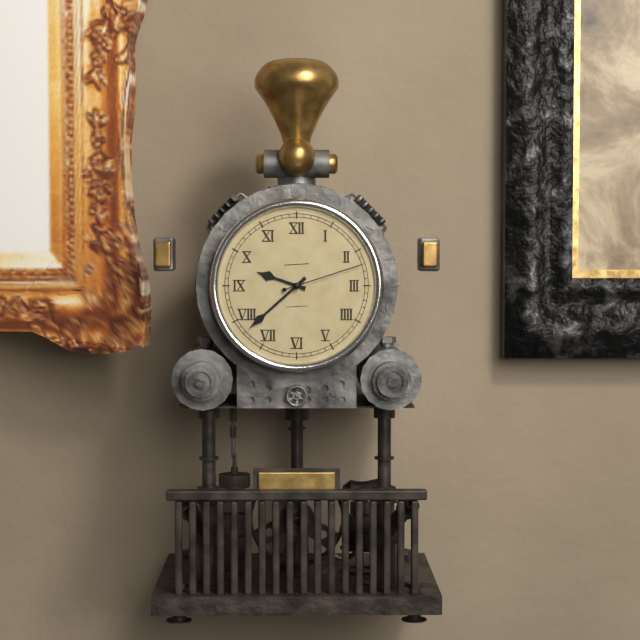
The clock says {"hour": 9, "minute": 38, "second": 12}
